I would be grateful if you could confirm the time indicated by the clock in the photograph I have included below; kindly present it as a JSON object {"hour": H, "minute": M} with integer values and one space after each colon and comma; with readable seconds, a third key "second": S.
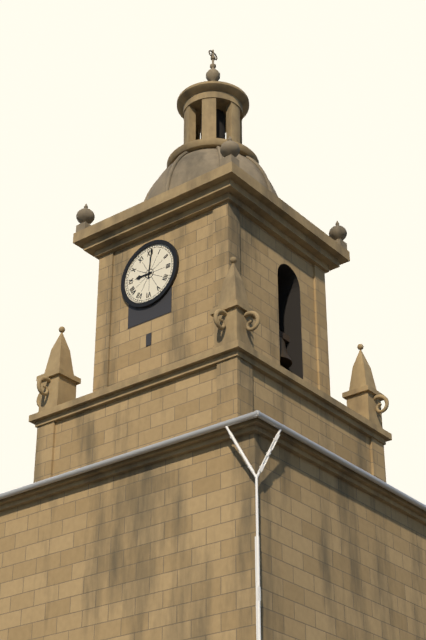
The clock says {"hour": 9, "minute": 1}
